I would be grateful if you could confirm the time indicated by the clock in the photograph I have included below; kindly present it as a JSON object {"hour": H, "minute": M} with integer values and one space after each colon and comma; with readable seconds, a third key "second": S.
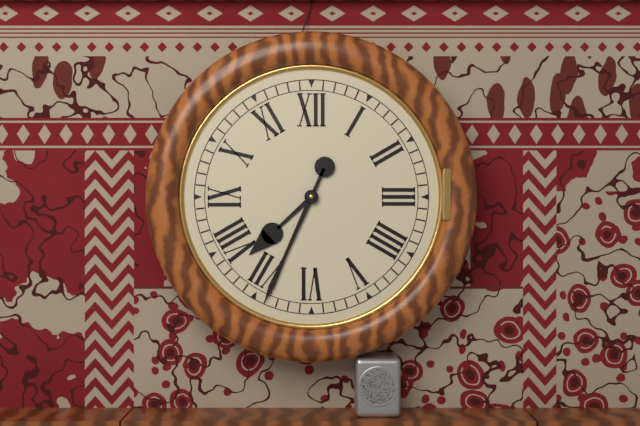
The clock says {"hour": 7, "minute": 34}
